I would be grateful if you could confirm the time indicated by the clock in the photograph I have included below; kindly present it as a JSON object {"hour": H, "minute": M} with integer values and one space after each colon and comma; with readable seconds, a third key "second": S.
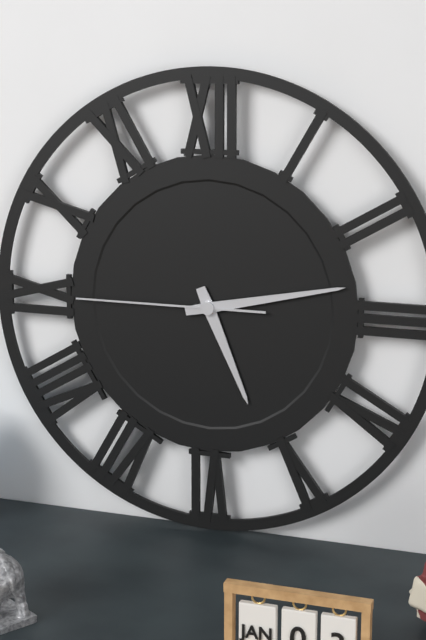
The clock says {"hour": 5, "minute": 13, "second": 45}
